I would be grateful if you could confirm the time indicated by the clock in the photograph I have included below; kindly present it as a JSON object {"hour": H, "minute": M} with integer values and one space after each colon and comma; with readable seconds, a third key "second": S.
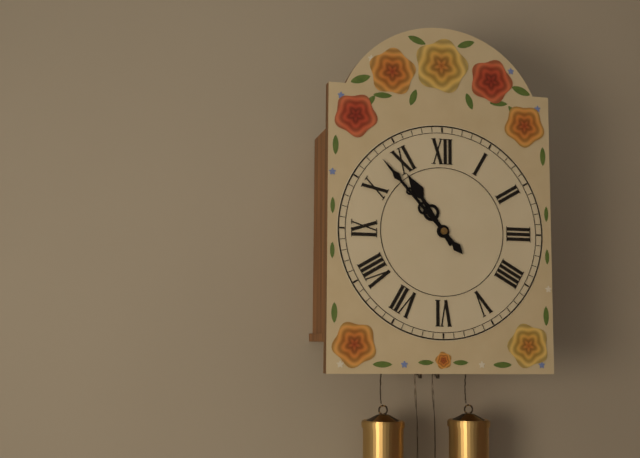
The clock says {"hour": 10, "minute": 53}
